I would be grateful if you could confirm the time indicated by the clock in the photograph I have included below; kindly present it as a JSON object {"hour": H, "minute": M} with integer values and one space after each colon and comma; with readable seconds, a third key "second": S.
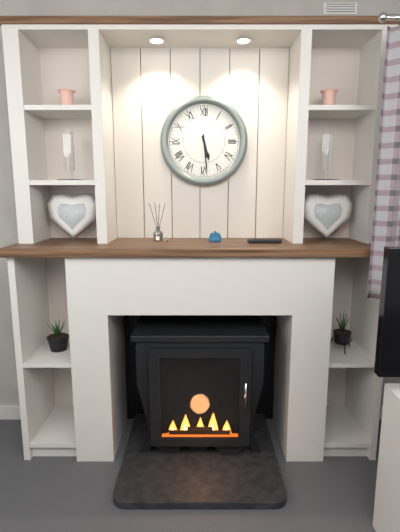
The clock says {"hour": 5, "minute": 29}
